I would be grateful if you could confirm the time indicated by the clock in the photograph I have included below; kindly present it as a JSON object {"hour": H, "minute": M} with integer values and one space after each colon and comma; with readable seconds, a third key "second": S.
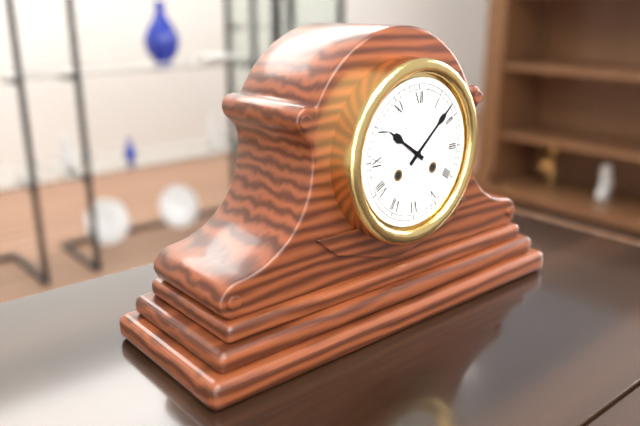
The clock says {"hour": 10, "minute": 8}
